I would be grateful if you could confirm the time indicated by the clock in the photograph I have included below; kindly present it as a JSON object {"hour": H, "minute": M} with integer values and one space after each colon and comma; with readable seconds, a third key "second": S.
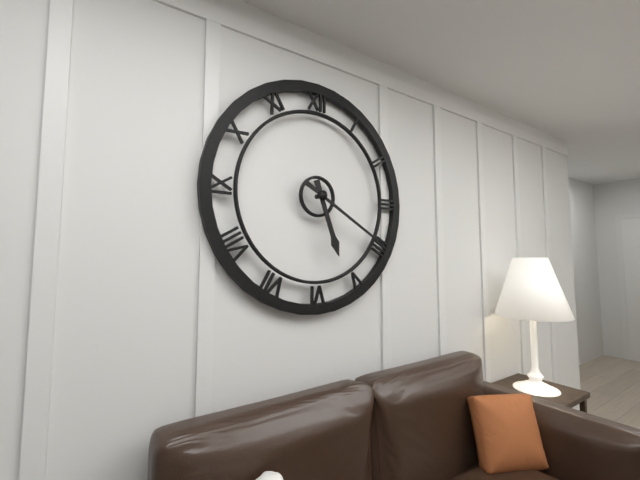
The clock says {"hour": 5, "minute": 20}
